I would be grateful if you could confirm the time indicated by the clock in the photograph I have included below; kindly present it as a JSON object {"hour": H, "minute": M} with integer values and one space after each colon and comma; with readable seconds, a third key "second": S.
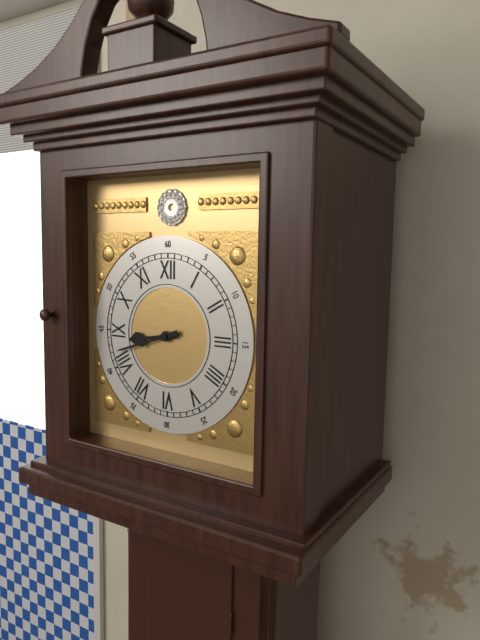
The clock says {"hour": 8, "minute": 42}
